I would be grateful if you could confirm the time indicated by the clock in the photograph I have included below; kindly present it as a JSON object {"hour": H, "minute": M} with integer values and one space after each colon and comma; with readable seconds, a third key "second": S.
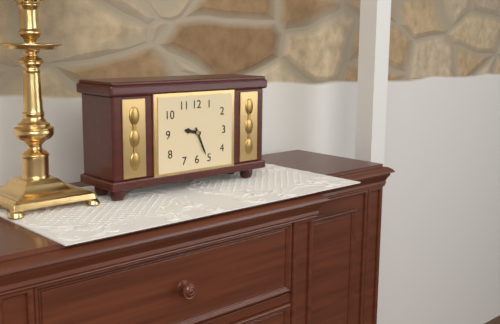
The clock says {"hour": 9, "minute": 26}
